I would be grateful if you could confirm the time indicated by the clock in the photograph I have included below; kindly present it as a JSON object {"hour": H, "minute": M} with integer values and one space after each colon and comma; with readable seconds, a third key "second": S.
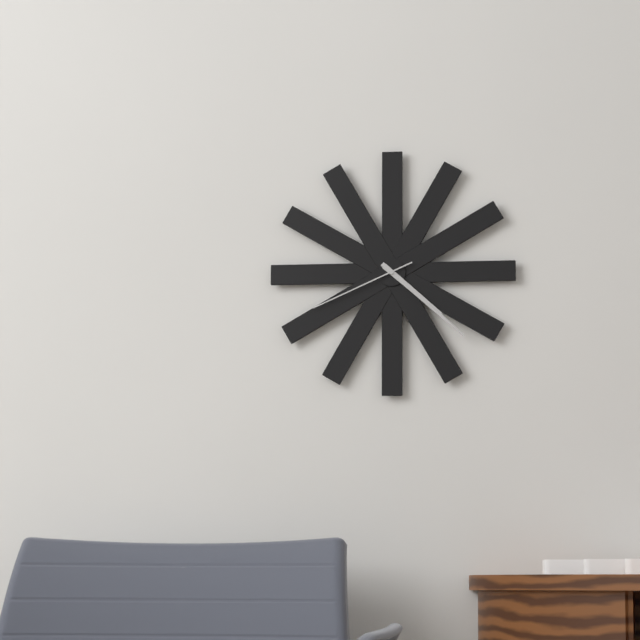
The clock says {"hour": 4, "minute": 22, "second": 41}
